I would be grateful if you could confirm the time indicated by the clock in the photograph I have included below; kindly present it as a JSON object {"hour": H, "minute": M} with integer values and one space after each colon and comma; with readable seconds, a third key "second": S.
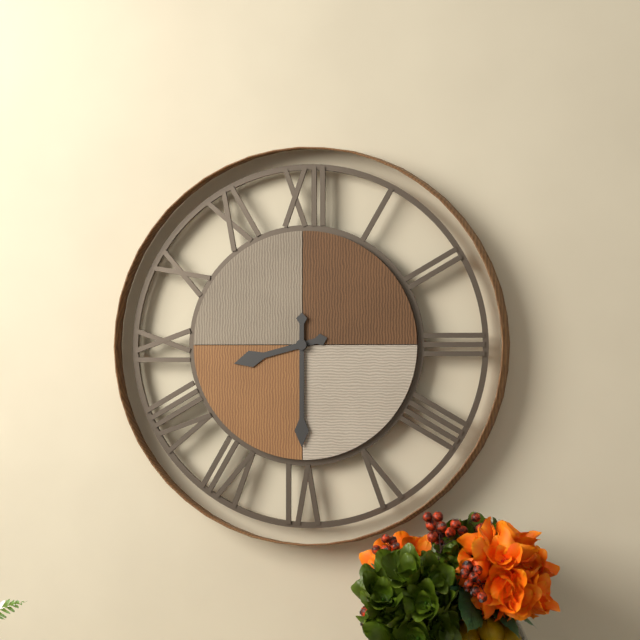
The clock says {"hour": 8, "minute": 30}
